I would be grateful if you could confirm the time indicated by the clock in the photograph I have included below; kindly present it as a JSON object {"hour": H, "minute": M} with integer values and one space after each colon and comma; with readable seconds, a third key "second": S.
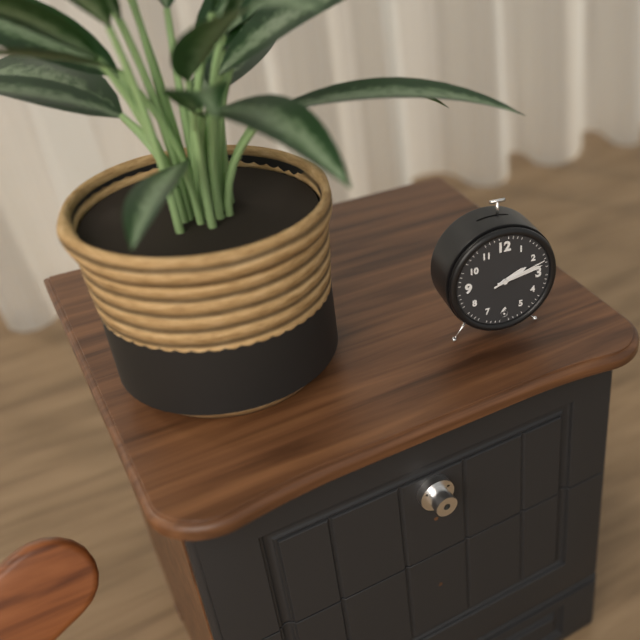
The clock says {"hour": 2, "minute": 13, "second": 12}
